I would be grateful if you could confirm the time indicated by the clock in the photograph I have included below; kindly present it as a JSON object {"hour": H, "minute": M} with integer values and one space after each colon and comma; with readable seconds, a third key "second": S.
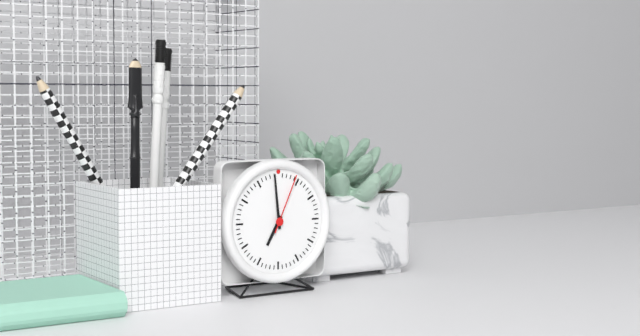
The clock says {"hour": 6, "minute": 59, "second": 4}
